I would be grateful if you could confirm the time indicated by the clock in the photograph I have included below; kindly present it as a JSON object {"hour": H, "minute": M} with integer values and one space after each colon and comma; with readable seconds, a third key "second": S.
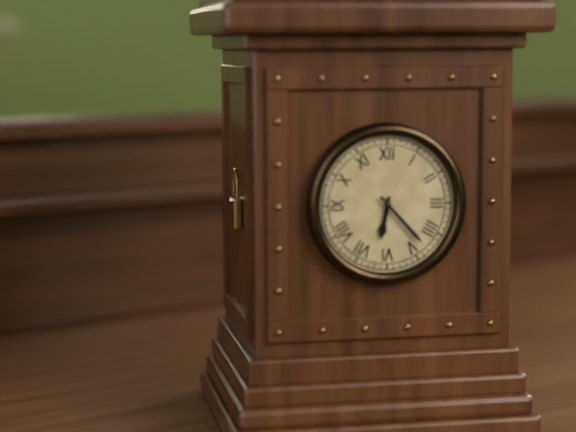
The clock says {"hour": 6, "minute": 23}
